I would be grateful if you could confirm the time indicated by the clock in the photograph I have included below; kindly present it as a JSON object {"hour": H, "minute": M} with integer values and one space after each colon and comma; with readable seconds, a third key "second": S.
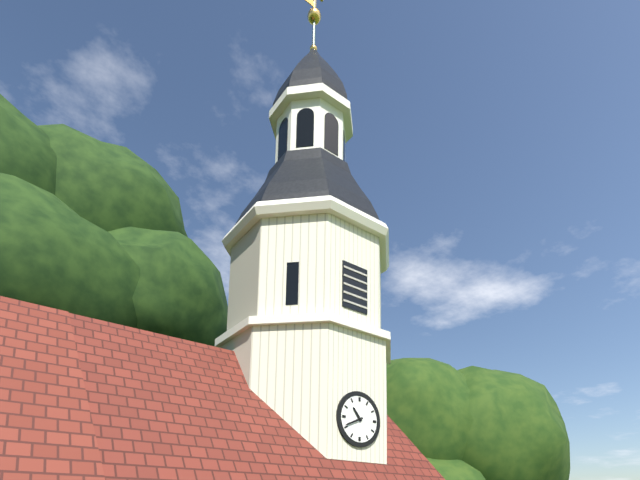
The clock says {"hour": 10, "minute": 41}
